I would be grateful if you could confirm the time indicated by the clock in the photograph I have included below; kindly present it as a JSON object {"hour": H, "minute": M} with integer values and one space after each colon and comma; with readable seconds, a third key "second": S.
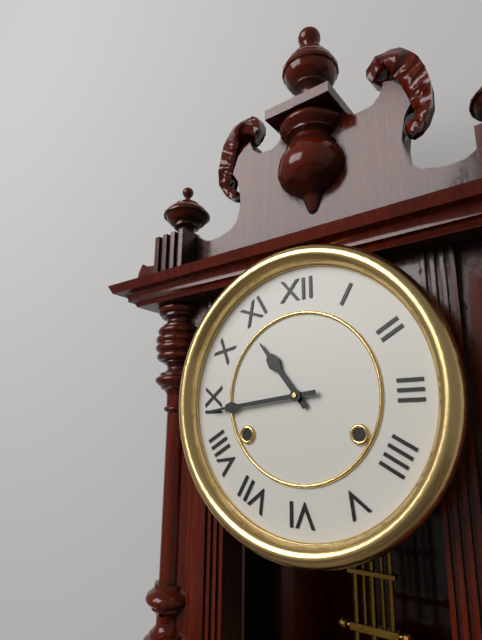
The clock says {"hour": 10, "minute": 44}
